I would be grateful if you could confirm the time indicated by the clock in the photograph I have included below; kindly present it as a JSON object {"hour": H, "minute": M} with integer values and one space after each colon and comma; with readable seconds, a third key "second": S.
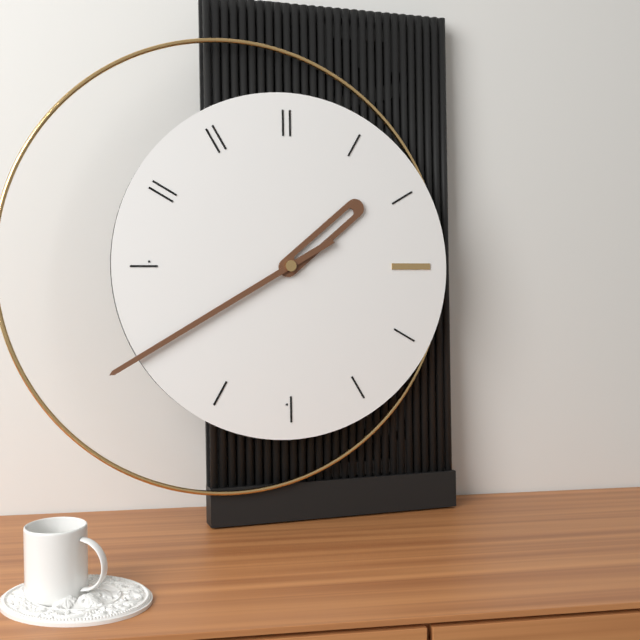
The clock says {"hour": 1, "minute": 40}
